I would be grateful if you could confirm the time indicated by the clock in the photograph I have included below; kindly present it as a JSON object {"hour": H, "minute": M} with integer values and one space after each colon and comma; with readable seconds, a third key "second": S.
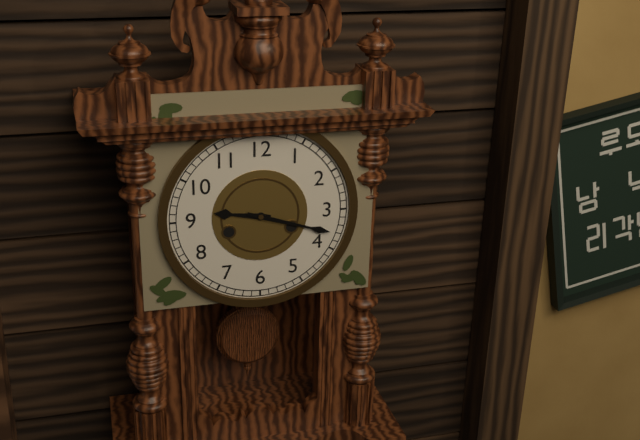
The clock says {"hour": 9, "minute": 18}
